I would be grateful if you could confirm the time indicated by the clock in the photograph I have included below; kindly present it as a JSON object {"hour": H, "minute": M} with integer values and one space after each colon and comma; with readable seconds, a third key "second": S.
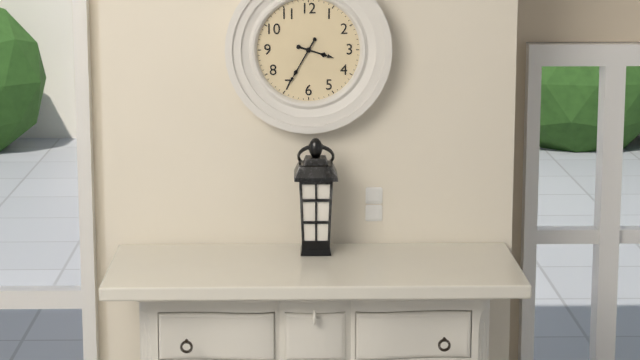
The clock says {"hour": 3, "minute": 35}
